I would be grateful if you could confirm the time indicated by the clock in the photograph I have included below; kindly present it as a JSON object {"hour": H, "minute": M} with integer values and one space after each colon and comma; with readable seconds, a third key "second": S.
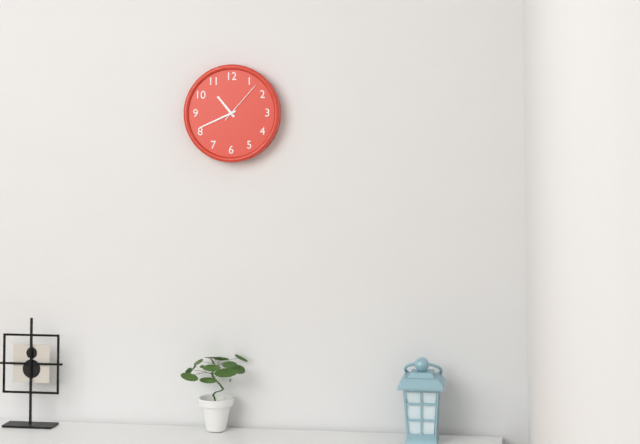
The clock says {"hour": 10, "minute": 41}
